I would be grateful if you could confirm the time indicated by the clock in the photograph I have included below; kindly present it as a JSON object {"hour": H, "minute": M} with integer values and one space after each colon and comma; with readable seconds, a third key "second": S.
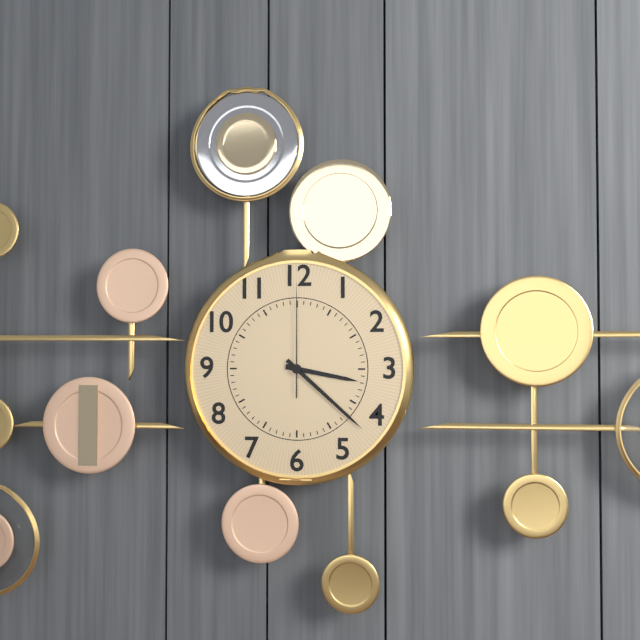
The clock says {"hour": 3, "minute": 22, "second": 0}
